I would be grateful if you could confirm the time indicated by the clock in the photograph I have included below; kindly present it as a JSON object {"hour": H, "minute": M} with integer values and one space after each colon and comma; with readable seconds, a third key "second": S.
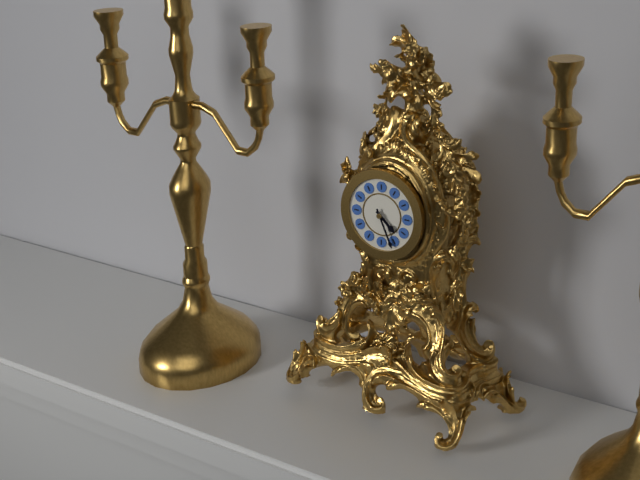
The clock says {"hour": 4, "minute": 26}
